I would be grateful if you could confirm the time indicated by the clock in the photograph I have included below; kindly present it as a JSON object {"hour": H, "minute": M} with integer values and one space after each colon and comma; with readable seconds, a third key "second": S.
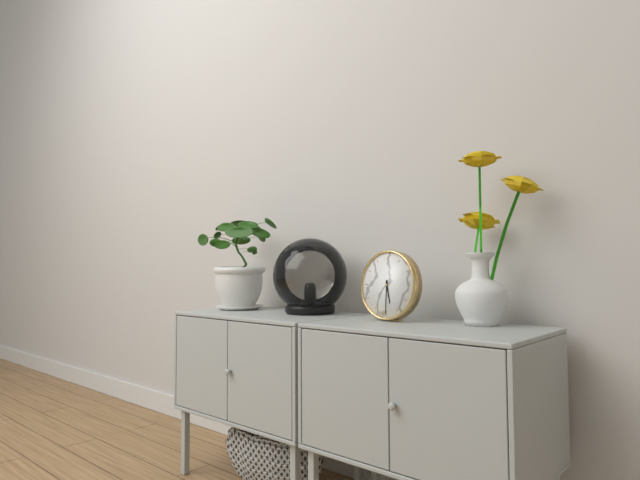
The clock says {"hour": 5, "minute": 30}
